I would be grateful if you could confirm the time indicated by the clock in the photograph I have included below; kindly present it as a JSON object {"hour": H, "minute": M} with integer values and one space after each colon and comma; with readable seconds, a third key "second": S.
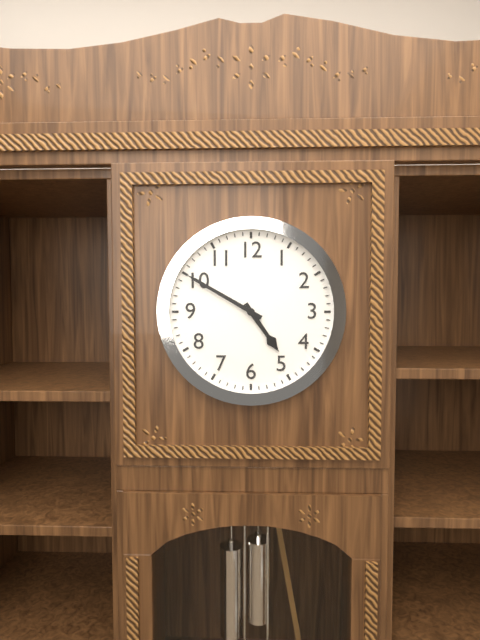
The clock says {"hour": 4, "minute": 50}
